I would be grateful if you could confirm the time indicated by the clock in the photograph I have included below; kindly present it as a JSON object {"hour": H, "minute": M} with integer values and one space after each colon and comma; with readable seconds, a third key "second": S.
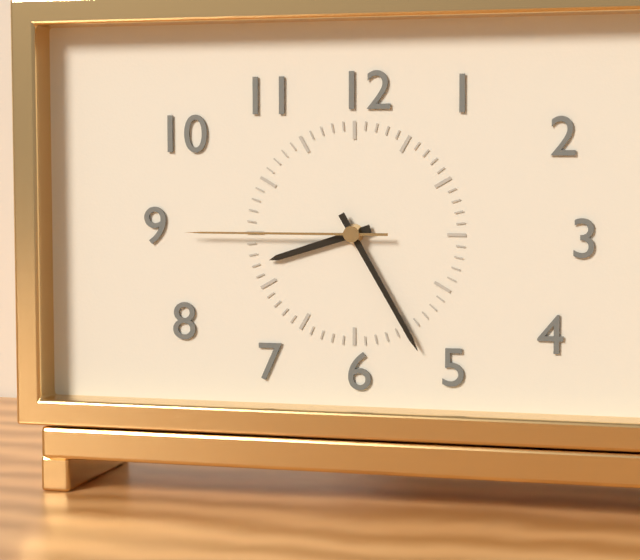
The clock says {"hour": 8, "minute": 25, "second": 45}
